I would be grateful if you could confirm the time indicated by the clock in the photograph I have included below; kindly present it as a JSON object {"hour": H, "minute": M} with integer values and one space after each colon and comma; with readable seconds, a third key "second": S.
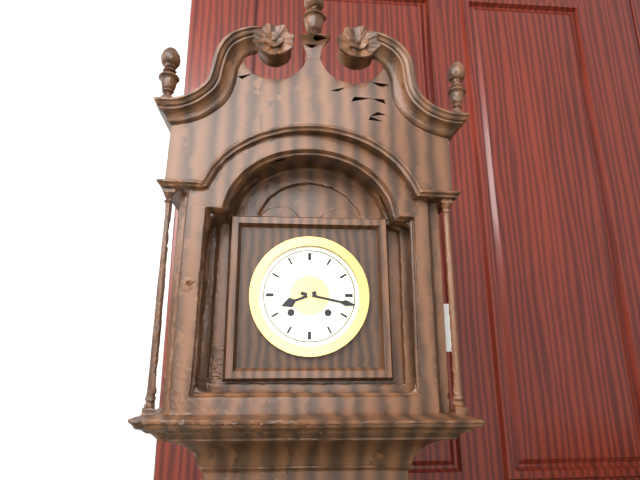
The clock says {"hour": 8, "minute": 17}
